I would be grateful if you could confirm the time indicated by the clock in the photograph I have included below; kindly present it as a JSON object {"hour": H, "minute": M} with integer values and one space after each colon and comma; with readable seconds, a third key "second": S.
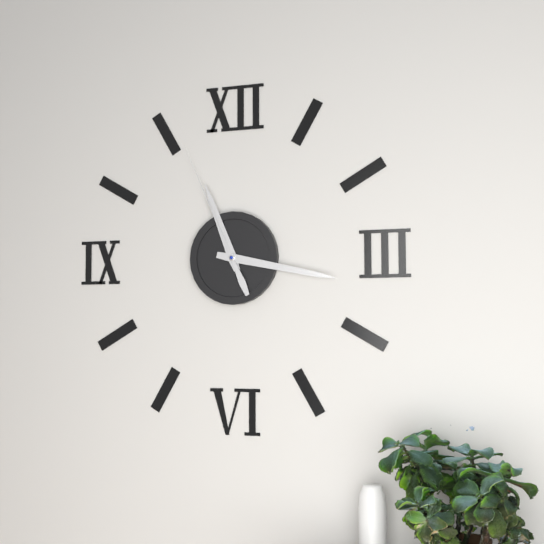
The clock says {"hour": 11, "minute": 17, "second": 56}
